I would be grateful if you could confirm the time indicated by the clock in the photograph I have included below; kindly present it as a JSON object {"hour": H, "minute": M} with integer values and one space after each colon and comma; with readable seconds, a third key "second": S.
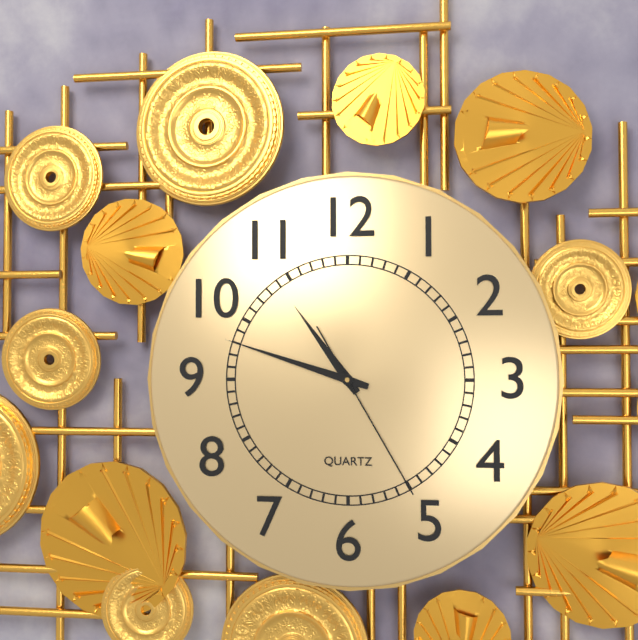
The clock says {"hour": 10, "minute": 48, "second": 25}
